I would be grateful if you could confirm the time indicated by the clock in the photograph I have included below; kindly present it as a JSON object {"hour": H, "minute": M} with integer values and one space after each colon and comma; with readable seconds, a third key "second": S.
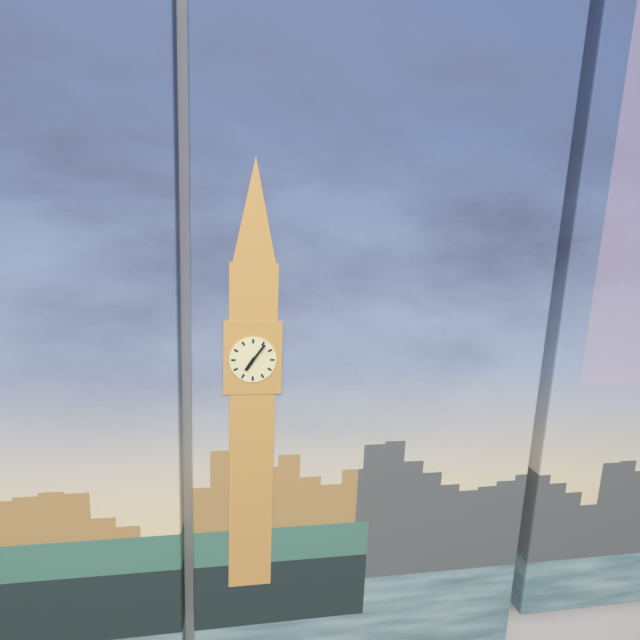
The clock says {"hour": 7, "minute": 6}
